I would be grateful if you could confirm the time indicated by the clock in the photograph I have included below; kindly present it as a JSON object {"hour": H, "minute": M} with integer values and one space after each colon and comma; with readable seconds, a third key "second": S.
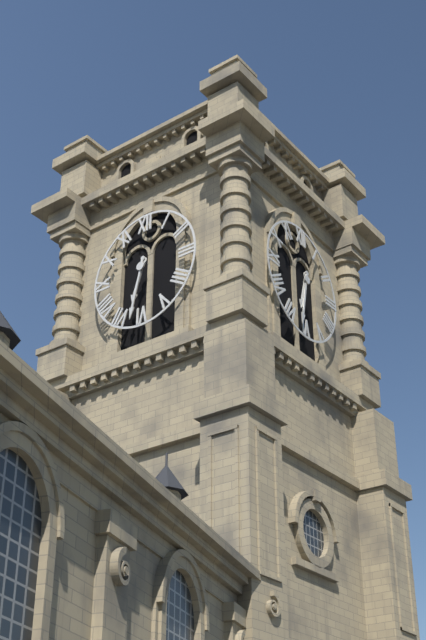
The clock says {"hour": 6, "minute": 32}
